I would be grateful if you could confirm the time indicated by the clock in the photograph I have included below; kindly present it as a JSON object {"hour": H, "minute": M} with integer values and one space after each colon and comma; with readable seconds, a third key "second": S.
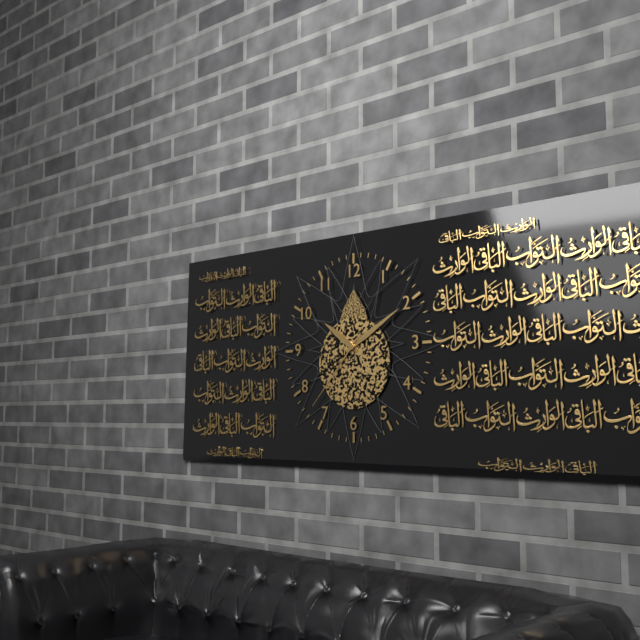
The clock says {"hour": 10, "minute": 10, "second": 37}
